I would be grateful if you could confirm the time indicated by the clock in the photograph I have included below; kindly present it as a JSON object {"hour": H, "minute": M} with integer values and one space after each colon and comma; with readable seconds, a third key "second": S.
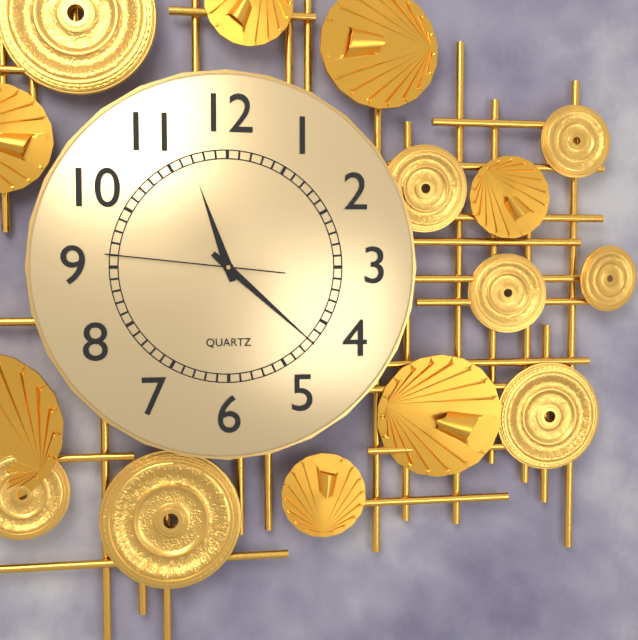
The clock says {"hour": 11, "minute": 22, "second": 46}
